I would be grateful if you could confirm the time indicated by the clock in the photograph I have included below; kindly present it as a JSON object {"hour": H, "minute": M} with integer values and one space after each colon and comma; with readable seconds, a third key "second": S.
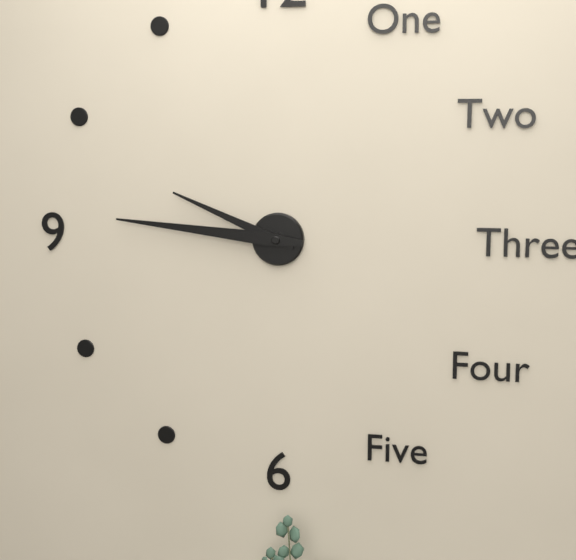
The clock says {"hour": 9, "minute": 46}
